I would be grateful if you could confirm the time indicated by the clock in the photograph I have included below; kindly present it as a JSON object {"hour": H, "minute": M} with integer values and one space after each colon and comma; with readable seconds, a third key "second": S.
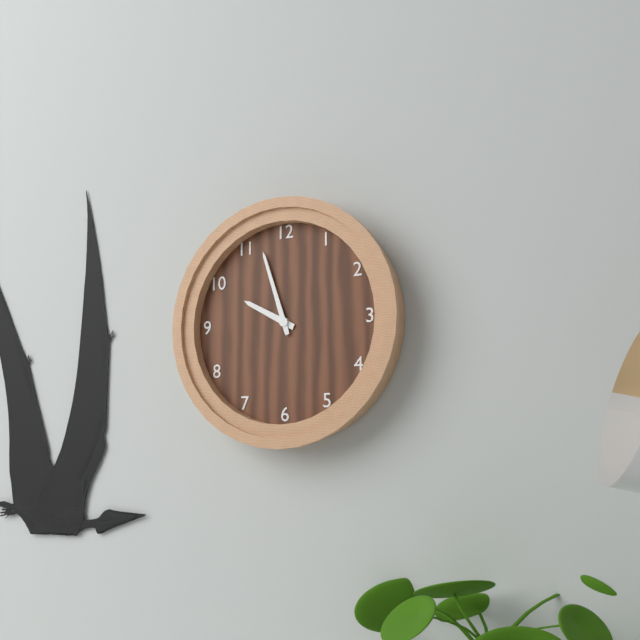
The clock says {"hour": 9, "minute": 57}
